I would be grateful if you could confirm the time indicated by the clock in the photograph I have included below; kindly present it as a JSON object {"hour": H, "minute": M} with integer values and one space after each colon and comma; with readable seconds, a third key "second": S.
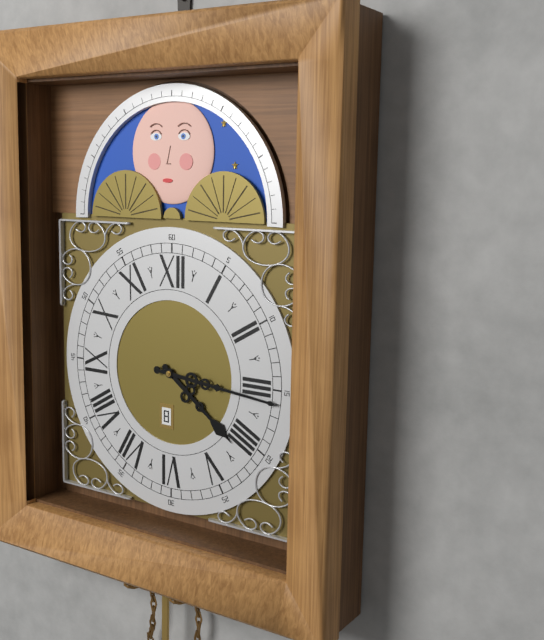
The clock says {"hour": 4, "minute": 16}
